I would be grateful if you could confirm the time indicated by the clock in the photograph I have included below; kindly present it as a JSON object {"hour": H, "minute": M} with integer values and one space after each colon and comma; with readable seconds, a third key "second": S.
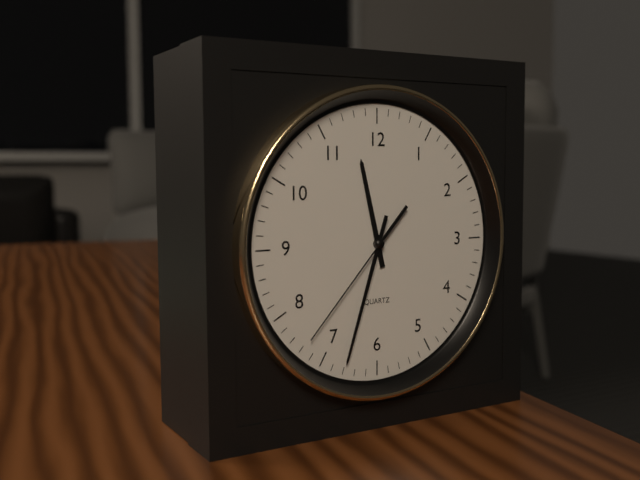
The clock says {"hour": 11, "minute": 33, "second": 37}
